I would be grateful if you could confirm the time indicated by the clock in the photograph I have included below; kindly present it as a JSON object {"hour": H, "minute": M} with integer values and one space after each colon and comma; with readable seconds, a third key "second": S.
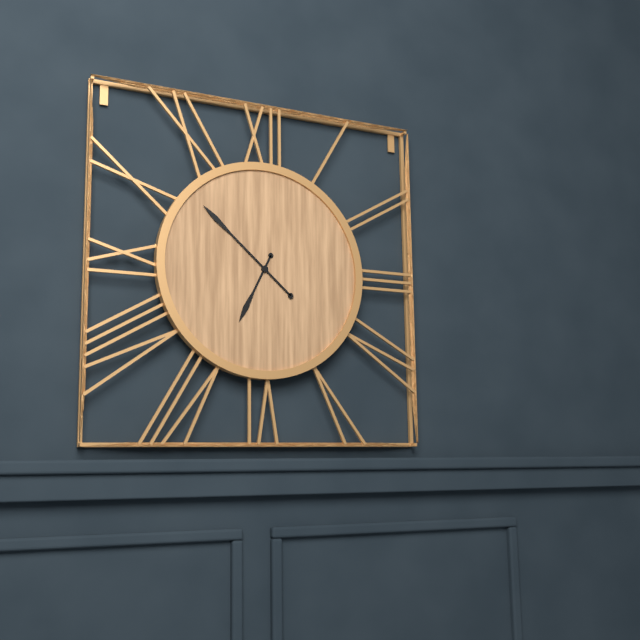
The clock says {"hour": 6, "minute": 52}
